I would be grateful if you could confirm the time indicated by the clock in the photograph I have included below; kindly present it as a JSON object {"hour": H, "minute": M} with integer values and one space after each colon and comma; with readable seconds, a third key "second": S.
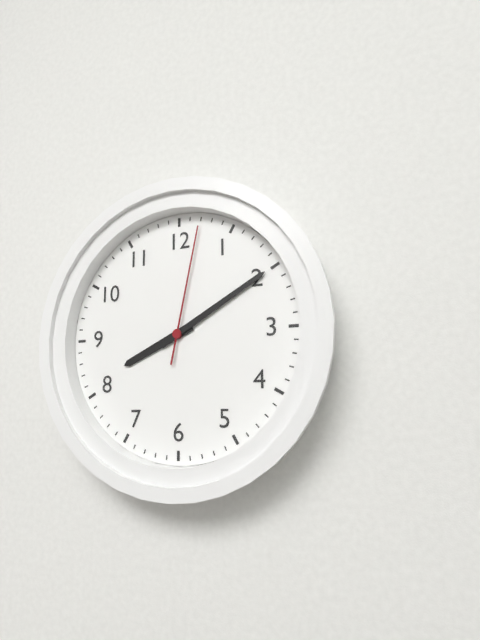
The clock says {"hour": 8, "minute": 10, "second": 2}
